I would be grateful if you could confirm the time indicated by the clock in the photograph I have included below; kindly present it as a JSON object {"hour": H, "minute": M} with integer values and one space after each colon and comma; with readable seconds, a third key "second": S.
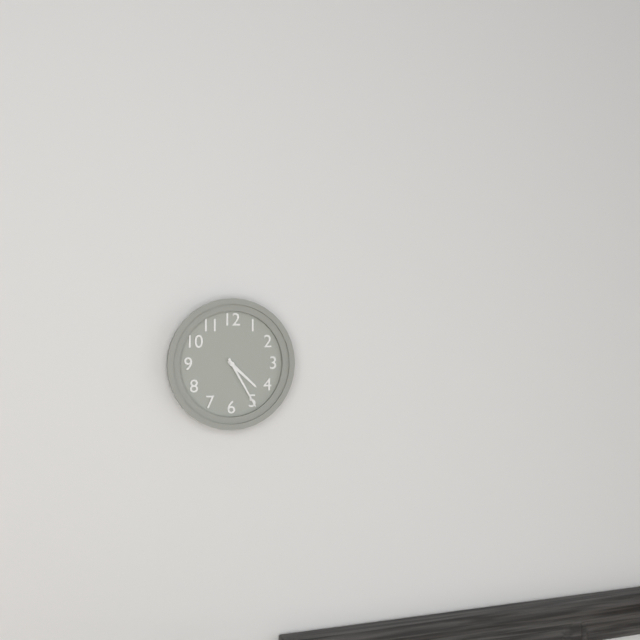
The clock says {"hour": 4, "minute": 25}
